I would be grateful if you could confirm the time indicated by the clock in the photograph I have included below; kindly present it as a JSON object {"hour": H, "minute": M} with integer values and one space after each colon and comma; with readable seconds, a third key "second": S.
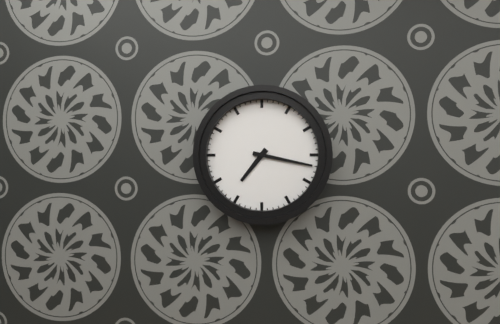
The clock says {"hour": 7, "minute": 17}
